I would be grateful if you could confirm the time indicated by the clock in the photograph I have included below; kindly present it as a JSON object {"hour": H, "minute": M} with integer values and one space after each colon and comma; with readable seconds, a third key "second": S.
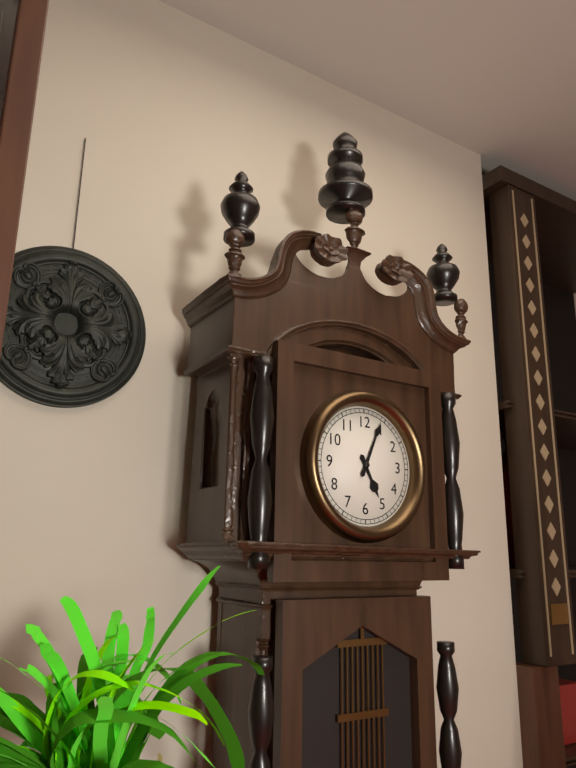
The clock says {"hour": 5, "minute": 4}
